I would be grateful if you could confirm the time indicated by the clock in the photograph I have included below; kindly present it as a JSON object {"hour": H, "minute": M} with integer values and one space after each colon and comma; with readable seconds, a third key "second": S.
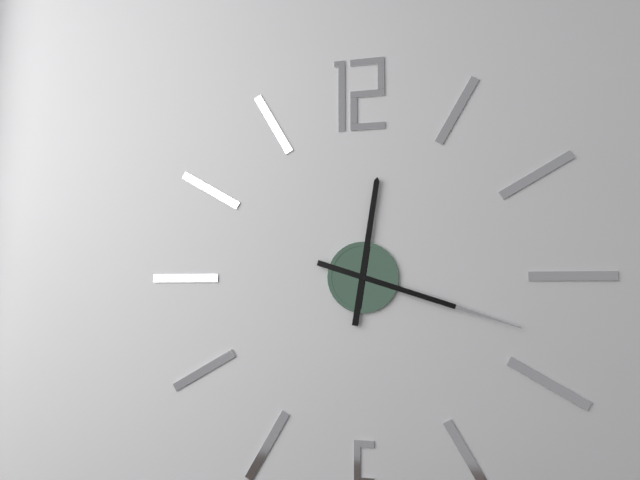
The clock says {"hour": 12, "minute": 18}
